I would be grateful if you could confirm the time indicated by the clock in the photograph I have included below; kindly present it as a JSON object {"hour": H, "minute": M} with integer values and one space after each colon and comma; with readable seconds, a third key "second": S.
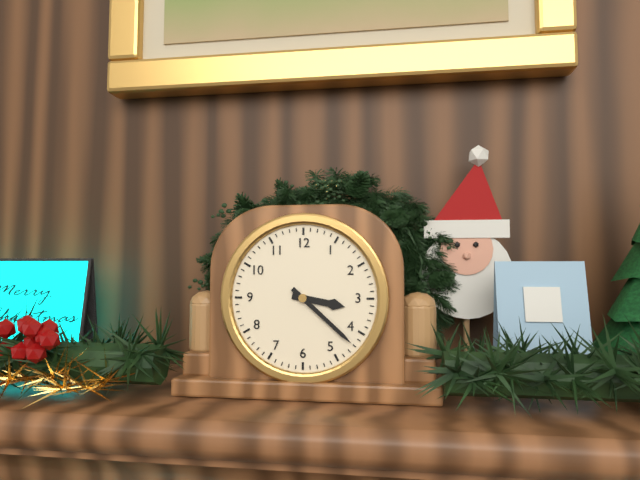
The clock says {"hour": 3, "minute": 22}
